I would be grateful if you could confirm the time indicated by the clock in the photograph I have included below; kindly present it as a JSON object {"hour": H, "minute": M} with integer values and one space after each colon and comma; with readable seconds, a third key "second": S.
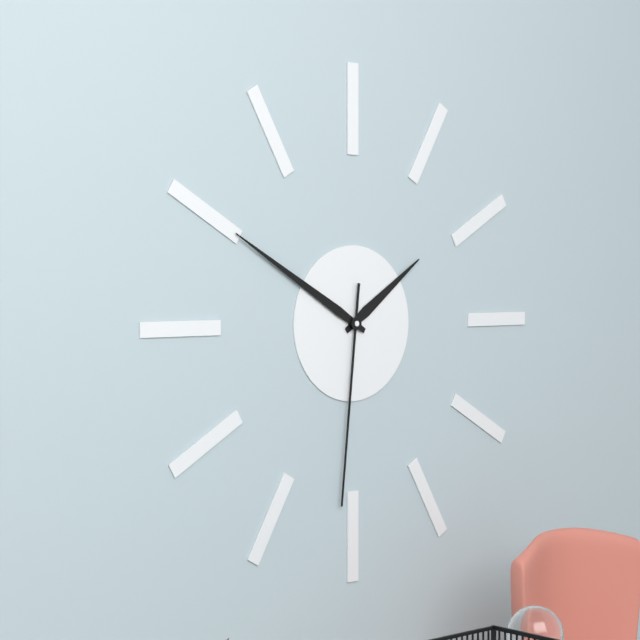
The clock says {"hour": 1, "minute": 50, "second": 31}
